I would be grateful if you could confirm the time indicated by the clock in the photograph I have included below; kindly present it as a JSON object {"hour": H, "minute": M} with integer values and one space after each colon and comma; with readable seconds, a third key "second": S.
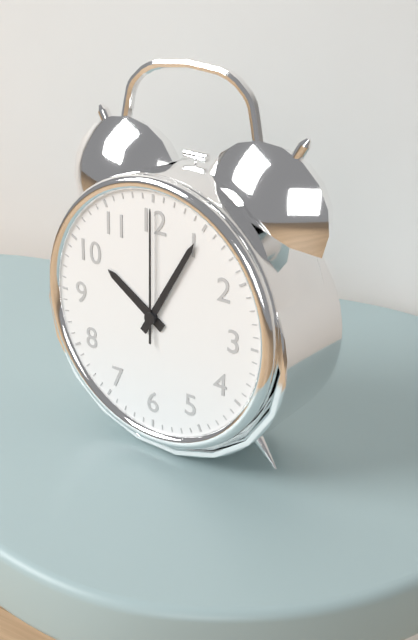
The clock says {"hour": 10, "minute": 5, "second": 0}
